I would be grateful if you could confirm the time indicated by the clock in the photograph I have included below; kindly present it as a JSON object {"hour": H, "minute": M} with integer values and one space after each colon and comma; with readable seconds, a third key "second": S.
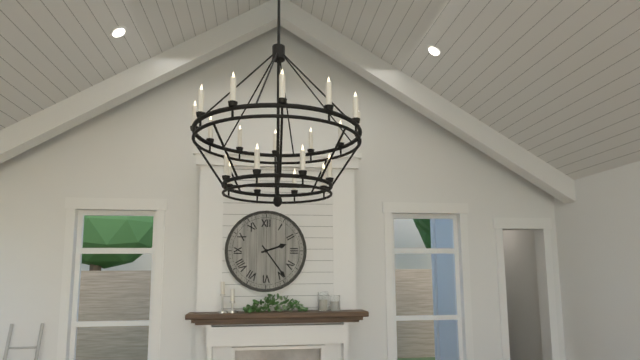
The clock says {"hour": 2, "minute": 24}
